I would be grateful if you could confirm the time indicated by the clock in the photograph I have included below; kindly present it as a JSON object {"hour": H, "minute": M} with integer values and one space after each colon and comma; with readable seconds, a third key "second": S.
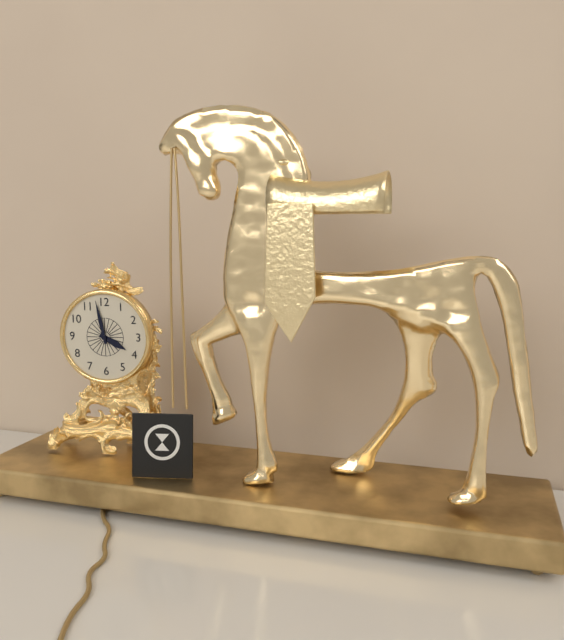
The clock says {"hour": 3, "minute": 58}
